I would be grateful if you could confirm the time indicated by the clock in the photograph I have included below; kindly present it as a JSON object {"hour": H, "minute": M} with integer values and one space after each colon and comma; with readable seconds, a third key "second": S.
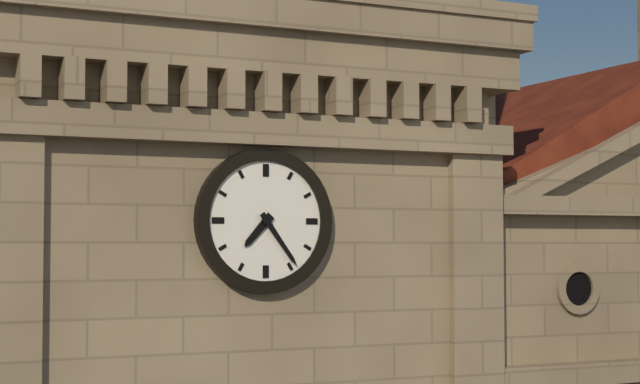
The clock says {"hour": 7, "minute": 24}
